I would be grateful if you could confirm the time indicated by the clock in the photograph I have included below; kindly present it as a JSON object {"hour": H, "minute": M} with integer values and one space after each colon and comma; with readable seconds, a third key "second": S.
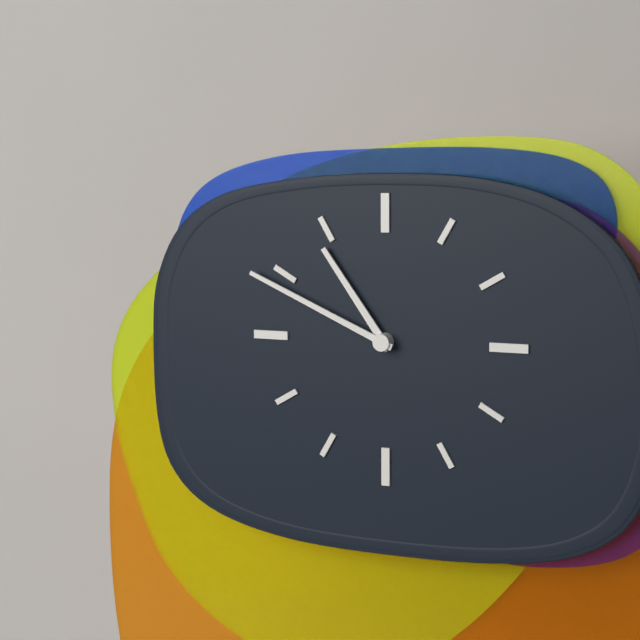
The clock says {"hour": 10, "minute": 49}
